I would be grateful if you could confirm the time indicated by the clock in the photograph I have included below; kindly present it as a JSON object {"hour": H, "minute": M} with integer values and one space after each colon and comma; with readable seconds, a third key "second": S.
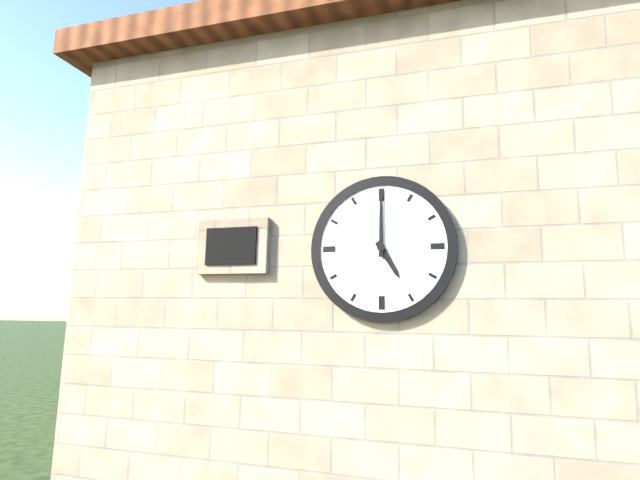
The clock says {"hour": 5, "minute": 0}
